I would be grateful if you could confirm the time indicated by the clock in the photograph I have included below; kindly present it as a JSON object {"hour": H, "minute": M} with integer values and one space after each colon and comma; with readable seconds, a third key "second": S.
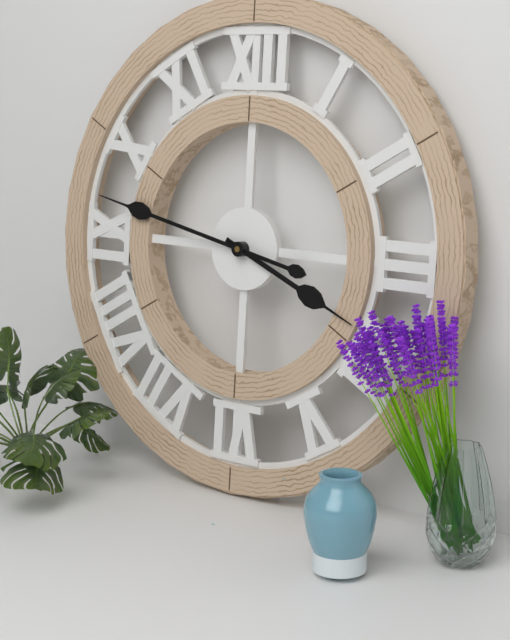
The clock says {"hour": 3, "minute": 47}
